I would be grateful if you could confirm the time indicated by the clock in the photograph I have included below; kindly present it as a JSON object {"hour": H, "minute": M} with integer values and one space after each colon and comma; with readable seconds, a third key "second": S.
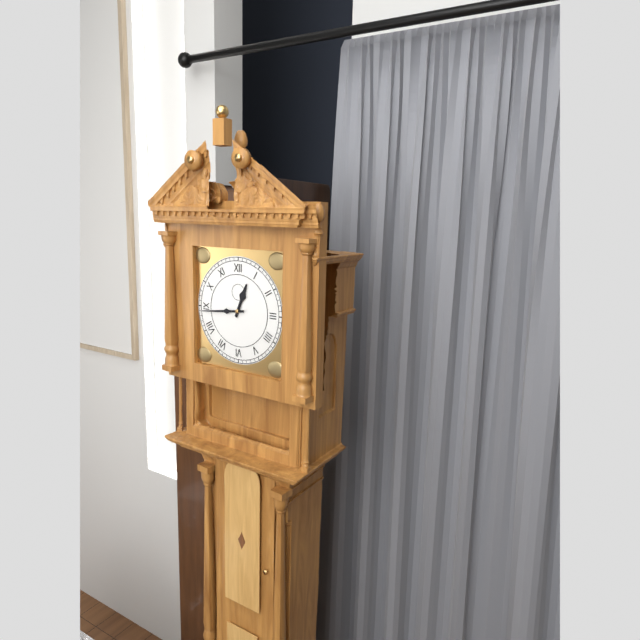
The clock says {"hour": 12, "minute": 44}
